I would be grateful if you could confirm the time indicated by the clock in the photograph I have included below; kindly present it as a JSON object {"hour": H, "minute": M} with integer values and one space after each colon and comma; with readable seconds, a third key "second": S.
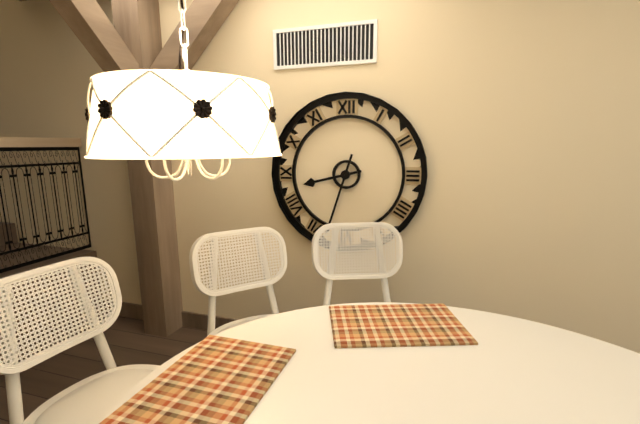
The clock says {"hour": 8, "minute": 33}
